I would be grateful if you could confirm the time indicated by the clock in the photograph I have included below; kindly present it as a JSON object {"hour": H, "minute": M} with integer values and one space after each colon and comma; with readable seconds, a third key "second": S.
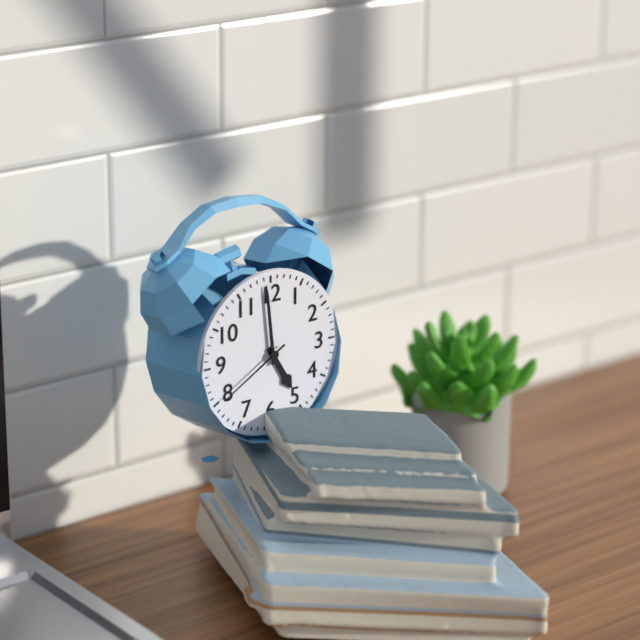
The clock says {"hour": 4, "minute": 59, "second": 40}
